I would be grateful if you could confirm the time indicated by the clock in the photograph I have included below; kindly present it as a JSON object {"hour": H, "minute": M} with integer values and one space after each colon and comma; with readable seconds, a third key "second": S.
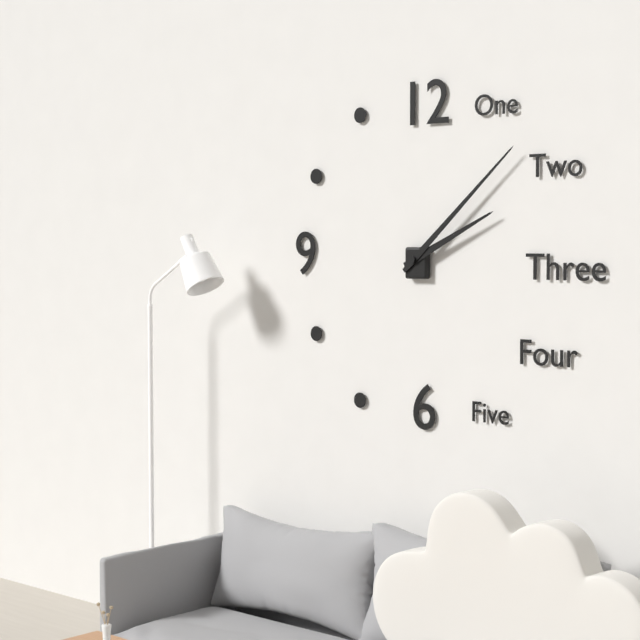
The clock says {"hour": 2, "minute": 8}
